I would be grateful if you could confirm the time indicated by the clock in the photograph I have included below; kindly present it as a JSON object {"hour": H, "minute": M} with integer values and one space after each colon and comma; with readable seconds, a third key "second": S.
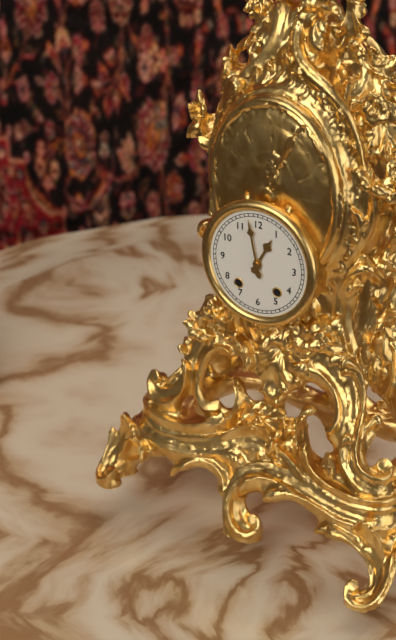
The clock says {"hour": 12, "minute": 58}
